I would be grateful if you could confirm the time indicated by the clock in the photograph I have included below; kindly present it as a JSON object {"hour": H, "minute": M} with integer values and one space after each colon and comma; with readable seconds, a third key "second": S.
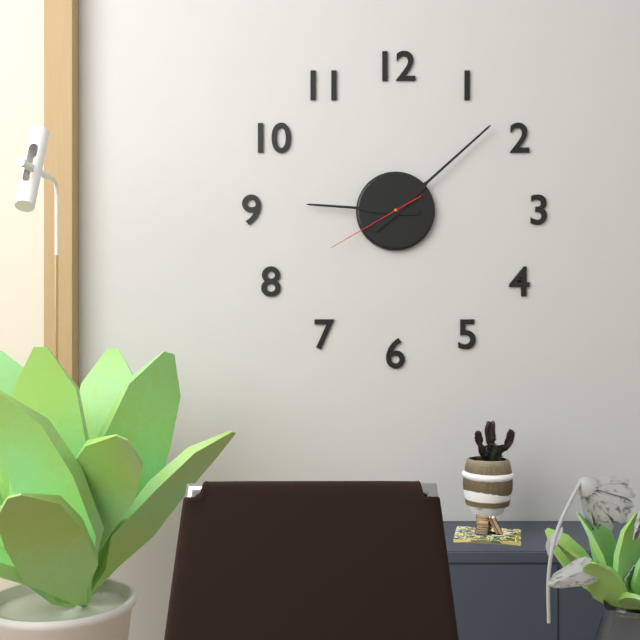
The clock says {"hour": 9, "minute": 8, "second": 40}
